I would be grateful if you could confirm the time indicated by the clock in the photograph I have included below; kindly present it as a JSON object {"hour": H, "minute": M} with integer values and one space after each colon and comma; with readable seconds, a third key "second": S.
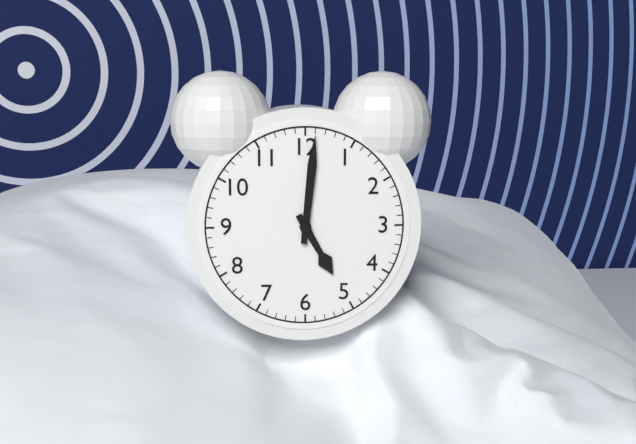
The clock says {"hour": 5, "minute": 1}
